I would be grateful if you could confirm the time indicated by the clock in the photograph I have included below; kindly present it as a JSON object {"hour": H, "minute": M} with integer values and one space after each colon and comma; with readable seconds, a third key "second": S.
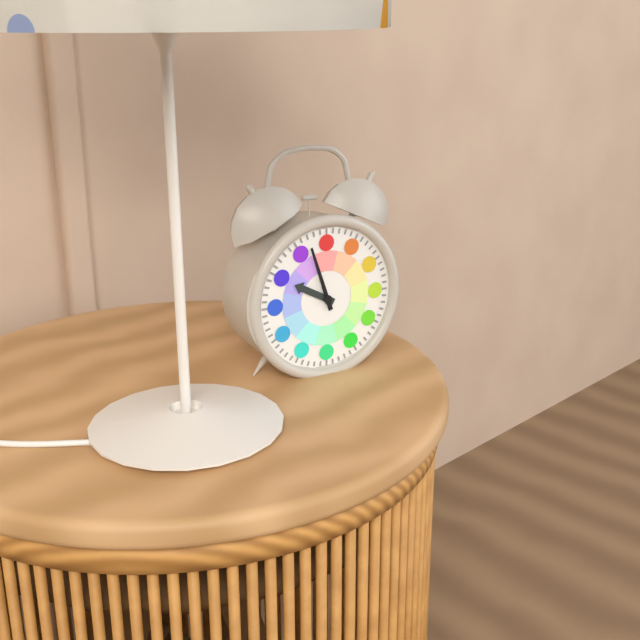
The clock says {"hour": 9, "minute": 57}
